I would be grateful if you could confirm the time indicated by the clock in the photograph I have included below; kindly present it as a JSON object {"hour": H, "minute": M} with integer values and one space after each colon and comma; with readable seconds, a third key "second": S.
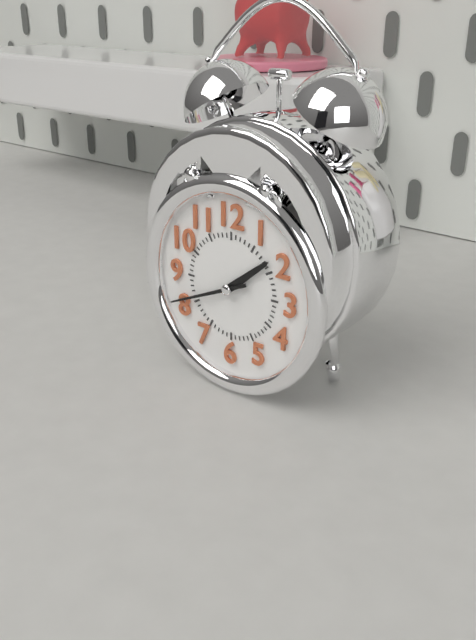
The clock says {"hour": 1, "minute": 41}
